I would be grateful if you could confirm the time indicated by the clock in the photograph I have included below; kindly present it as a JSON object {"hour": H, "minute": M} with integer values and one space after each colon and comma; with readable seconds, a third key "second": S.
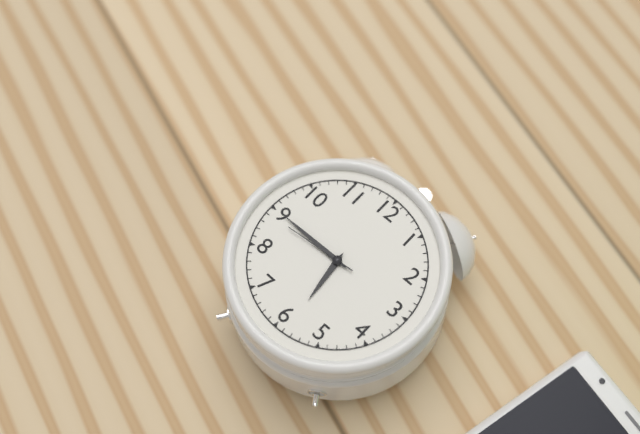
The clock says {"hour": 5, "minute": 45, "second": 44}
